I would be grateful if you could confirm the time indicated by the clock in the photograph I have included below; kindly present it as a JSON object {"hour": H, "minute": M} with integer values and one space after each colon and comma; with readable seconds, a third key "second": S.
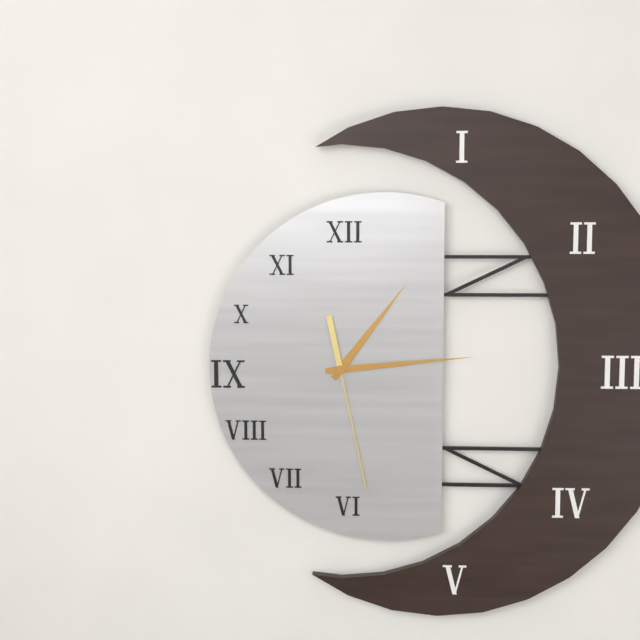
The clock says {"hour": 1, "minute": 14, "second": 28}
